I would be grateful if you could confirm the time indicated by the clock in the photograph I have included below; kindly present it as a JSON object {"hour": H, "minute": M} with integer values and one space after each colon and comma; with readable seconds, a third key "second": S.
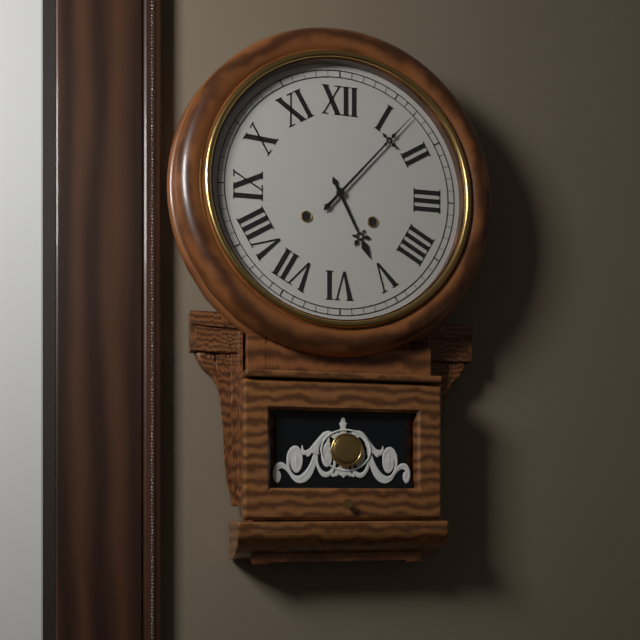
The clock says {"hour": 5, "minute": 7}
